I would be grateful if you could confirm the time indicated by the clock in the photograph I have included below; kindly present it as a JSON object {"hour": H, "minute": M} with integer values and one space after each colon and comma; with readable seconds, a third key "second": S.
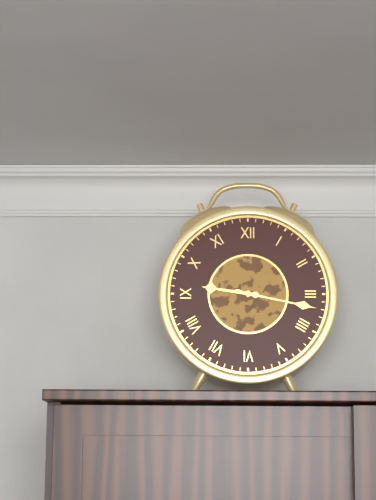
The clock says {"hour": 9, "minute": 17}
